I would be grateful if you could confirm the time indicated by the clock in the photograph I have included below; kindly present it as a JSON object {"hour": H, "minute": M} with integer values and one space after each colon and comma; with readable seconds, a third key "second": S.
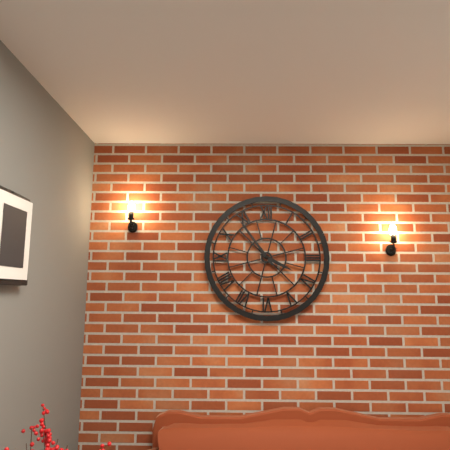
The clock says {"hour": 3, "minute": 54}
